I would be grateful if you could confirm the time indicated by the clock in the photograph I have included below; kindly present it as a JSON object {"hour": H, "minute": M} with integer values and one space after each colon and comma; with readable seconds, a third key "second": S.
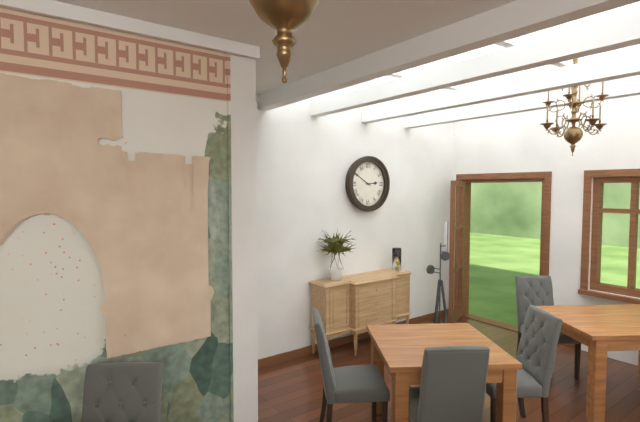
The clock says {"hour": 2, "minute": 50}
